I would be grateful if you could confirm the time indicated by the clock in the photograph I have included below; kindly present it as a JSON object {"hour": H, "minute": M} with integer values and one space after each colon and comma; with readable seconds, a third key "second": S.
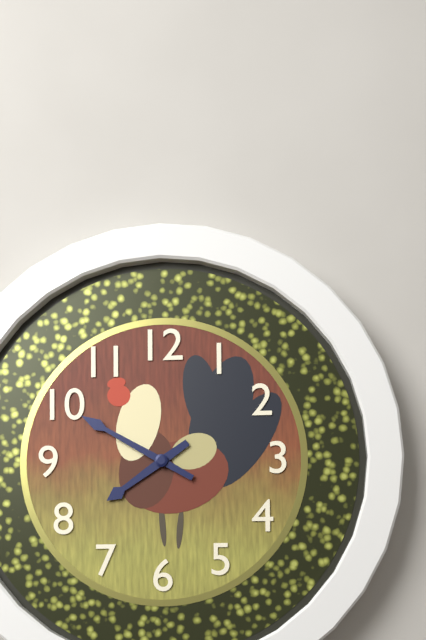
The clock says {"hour": 7, "minute": 50}
